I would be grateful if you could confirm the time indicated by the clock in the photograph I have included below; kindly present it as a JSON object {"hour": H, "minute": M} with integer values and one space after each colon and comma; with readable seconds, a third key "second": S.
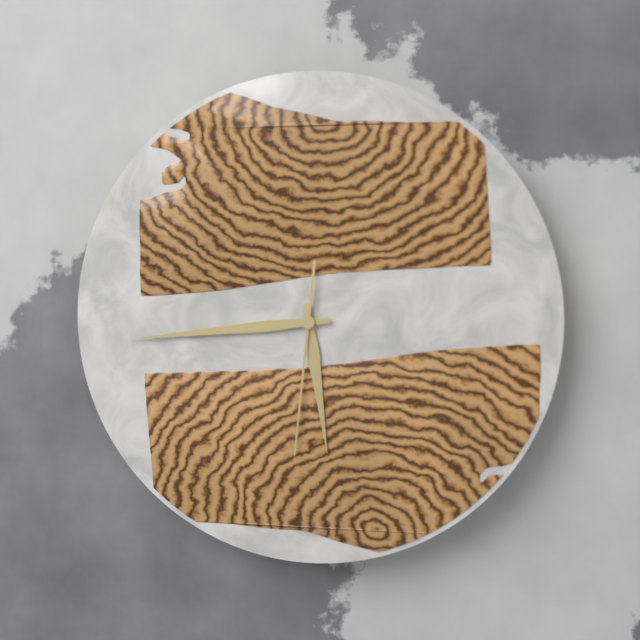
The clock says {"hour": 5, "minute": 44, "second": 31}
